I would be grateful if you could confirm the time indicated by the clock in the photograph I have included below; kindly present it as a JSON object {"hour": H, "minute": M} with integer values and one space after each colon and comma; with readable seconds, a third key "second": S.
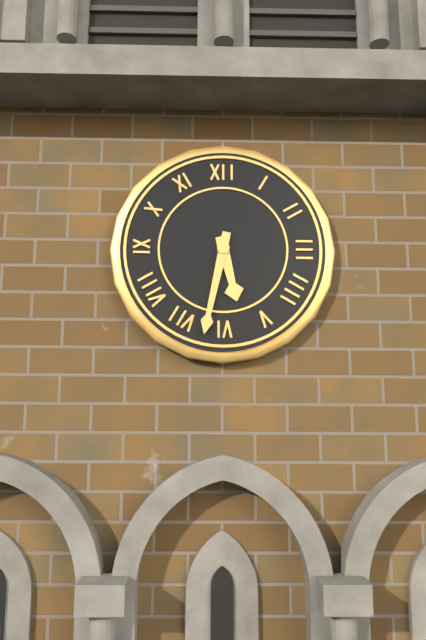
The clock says {"hour": 5, "minute": 32}
